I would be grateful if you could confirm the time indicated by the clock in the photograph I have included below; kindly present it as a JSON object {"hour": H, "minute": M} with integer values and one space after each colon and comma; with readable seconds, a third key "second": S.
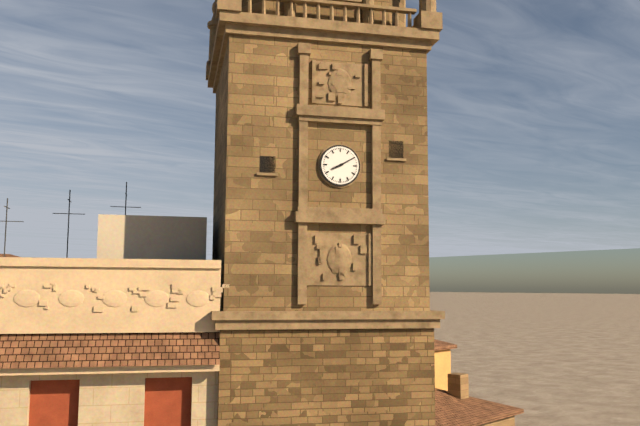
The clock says {"hour": 8, "minute": 10}
